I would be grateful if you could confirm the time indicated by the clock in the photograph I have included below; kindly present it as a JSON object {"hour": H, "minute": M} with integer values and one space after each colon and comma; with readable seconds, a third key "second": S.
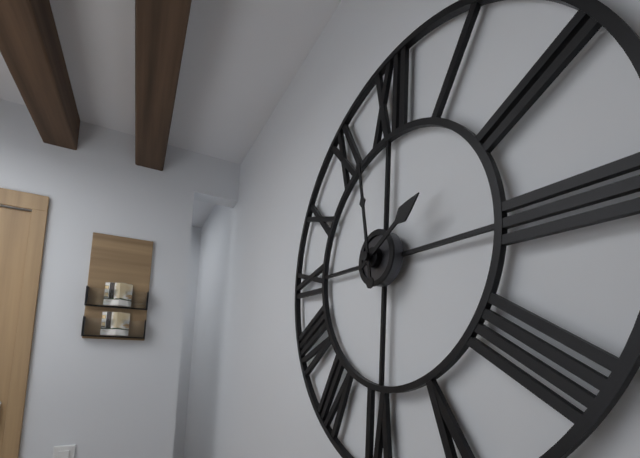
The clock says {"hour": 1, "minute": 58}
